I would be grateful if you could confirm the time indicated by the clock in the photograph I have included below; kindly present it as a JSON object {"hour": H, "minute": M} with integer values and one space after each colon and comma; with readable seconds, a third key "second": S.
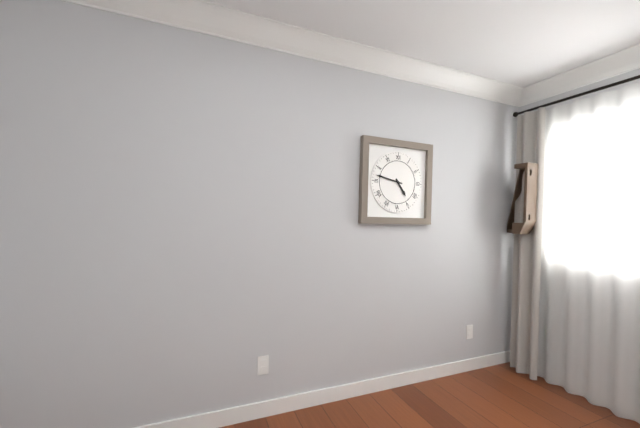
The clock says {"hour": 4, "minute": 47}
